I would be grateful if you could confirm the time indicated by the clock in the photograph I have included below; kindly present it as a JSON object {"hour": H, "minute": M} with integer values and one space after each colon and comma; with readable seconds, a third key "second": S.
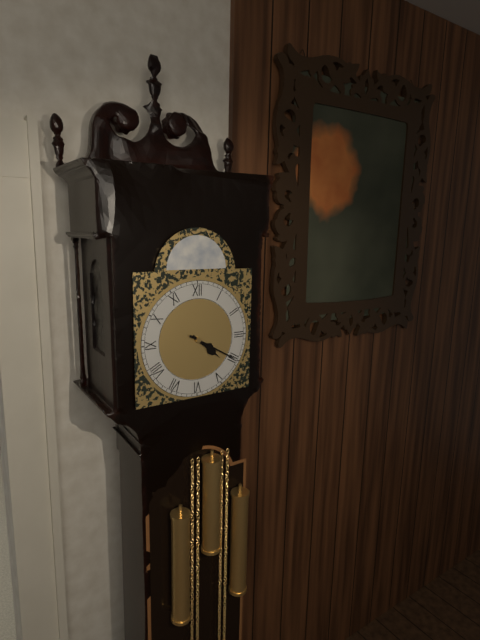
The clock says {"hour": 4, "minute": 20}
